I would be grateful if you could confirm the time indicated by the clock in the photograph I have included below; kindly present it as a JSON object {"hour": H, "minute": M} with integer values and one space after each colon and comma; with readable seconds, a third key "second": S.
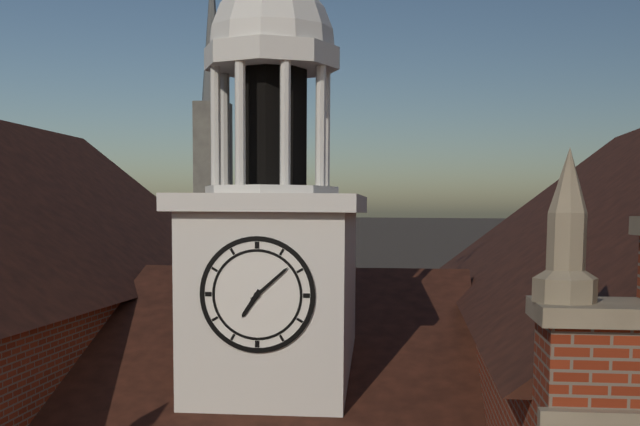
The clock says {"hour": 7, "minute": 8}
